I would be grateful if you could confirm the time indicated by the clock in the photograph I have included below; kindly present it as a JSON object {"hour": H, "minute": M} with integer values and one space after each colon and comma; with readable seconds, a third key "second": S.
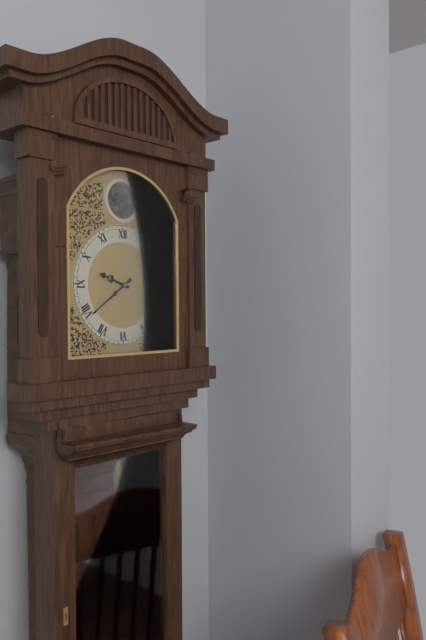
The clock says {"hour": 9, "minute": 39}
